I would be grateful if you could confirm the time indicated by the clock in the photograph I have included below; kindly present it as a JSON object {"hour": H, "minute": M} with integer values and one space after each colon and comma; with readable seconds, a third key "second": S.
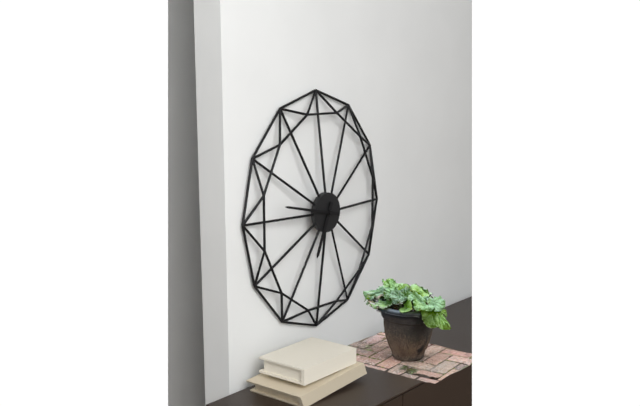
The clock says {"hour": 6, "minute": 47}
